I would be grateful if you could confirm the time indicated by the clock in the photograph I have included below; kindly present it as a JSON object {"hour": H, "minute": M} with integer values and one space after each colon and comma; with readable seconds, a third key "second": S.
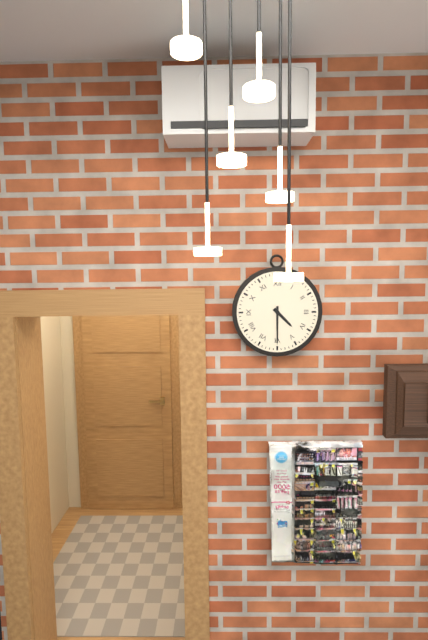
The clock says {"hour": 4, "minute": 30}
